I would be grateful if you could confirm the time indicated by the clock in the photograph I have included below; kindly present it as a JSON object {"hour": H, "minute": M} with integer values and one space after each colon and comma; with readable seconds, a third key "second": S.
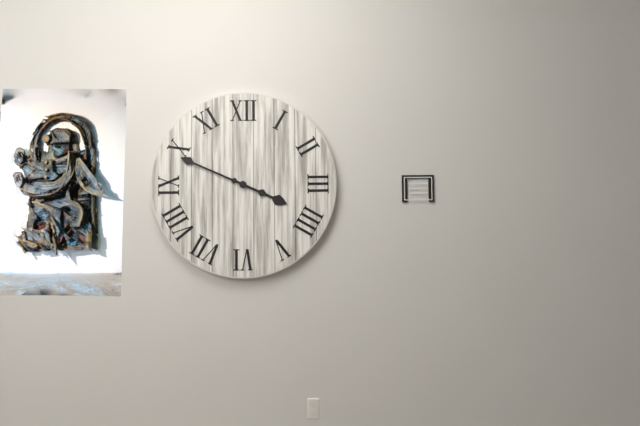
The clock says {"hour": 3, "minute": 49}
